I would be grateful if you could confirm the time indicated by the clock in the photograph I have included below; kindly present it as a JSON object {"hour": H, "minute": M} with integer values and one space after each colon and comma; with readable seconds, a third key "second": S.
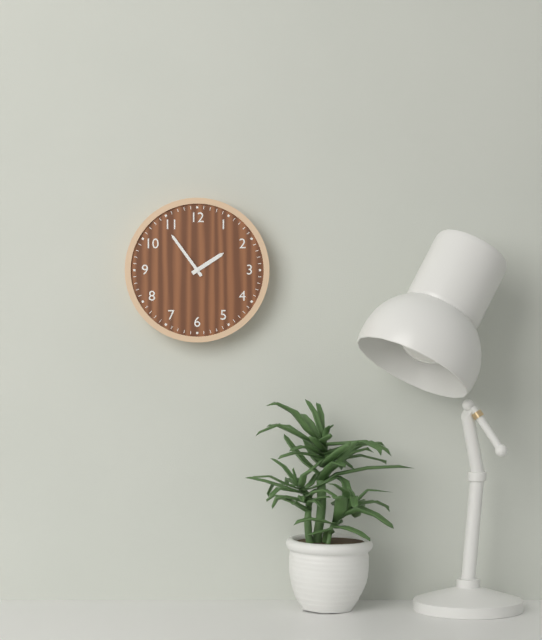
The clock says {"hour": 1, "minute": 54}
